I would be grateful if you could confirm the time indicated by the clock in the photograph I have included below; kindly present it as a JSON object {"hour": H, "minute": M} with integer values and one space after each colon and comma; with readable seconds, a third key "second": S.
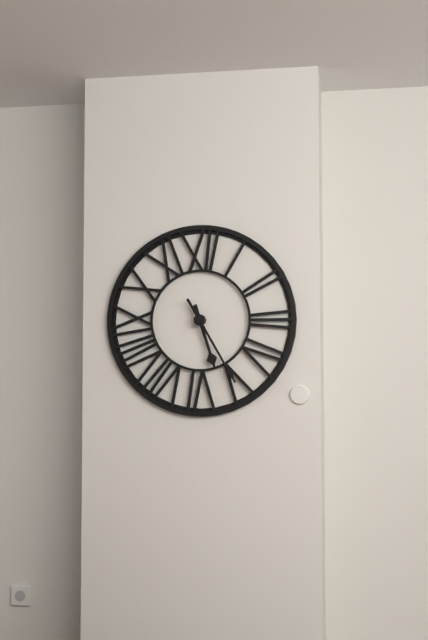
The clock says {"hour": 5, "minute": 25}
